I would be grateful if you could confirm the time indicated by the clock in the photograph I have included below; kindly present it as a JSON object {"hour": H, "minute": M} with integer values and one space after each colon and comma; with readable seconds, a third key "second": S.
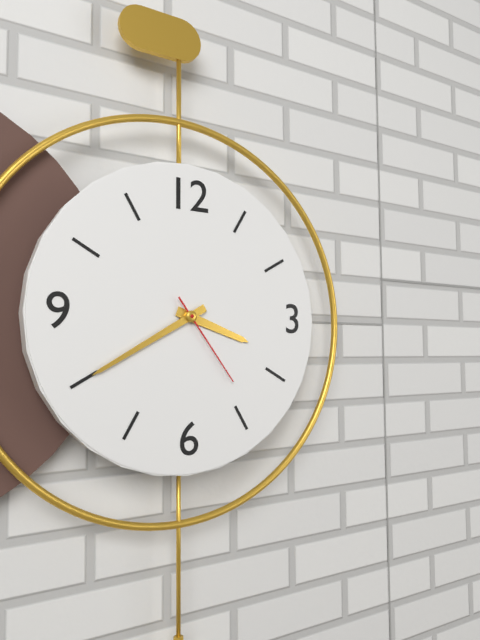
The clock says {"hour": 3, "minute": 40, "second": 24}
